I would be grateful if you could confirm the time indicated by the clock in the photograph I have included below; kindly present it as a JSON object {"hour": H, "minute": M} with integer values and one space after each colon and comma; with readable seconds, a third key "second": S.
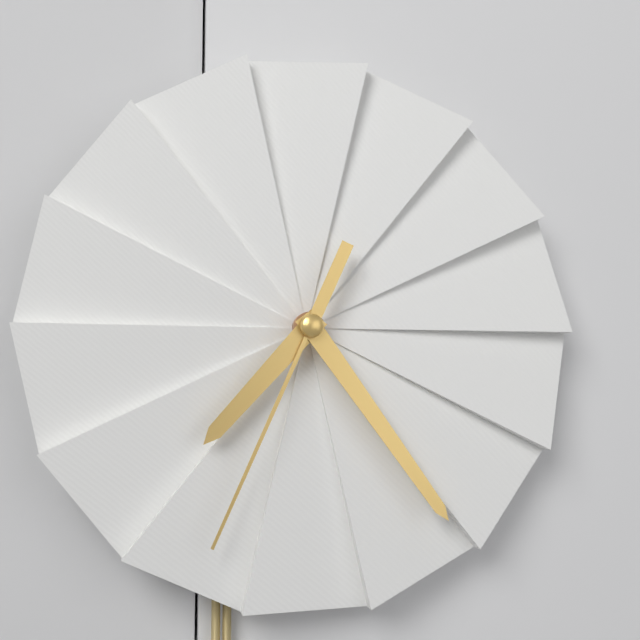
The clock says {"hour": 7, "minute": 24, "second": 34}
